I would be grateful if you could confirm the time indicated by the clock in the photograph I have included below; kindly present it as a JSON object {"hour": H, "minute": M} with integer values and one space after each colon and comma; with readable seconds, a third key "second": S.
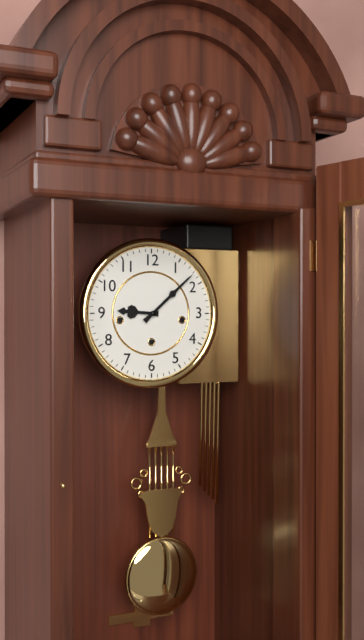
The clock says {"hour": 9, "minute": 8}
